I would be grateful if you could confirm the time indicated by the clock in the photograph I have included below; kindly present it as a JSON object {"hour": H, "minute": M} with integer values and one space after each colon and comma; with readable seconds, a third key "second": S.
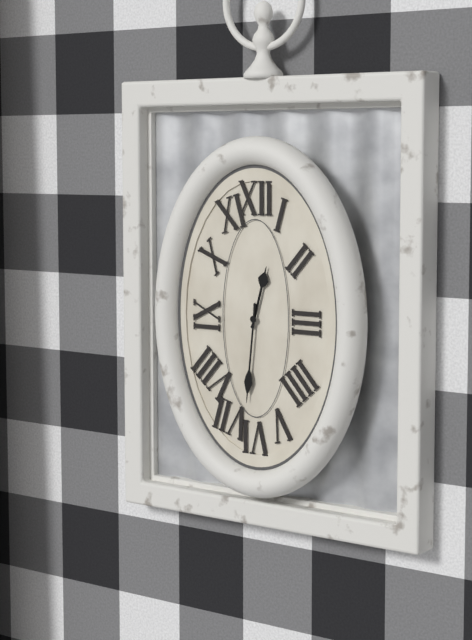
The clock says {"hour": 12, "minute": 31}
